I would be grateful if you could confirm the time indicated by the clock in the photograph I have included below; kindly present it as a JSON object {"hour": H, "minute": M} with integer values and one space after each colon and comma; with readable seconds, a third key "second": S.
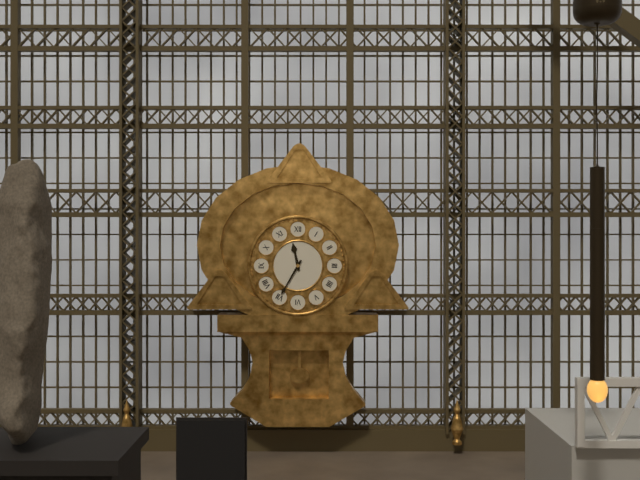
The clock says {"hour": 11, "minute": 35}
